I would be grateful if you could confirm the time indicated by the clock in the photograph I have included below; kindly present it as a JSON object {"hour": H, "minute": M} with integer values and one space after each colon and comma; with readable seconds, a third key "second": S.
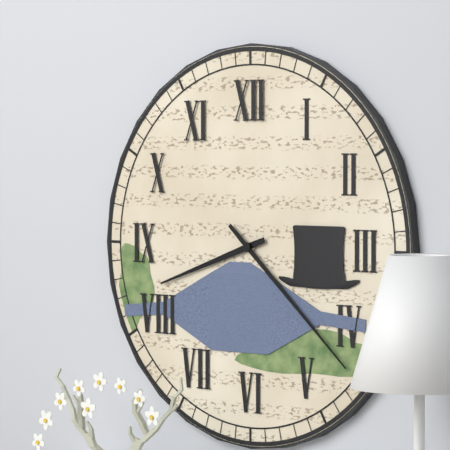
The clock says {"hour": 8, "minute": 22}
